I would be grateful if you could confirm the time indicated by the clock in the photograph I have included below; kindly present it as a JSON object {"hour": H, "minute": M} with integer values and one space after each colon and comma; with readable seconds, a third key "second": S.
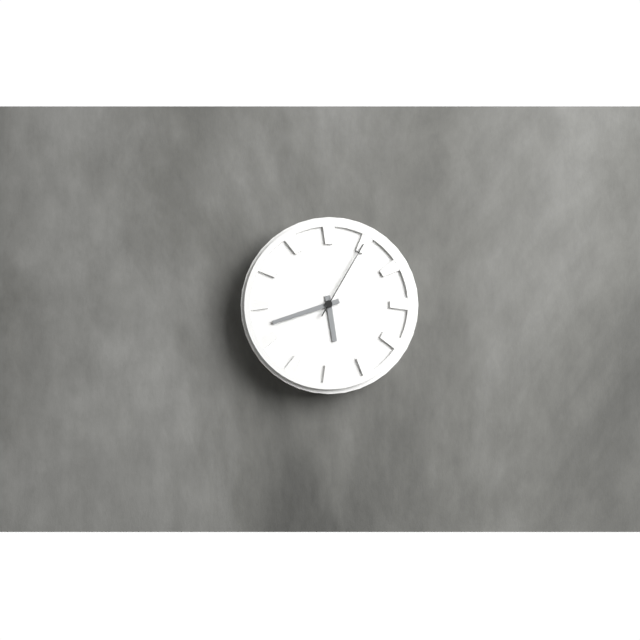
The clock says {"hour": 5, "minute": 42, "second": 5}
